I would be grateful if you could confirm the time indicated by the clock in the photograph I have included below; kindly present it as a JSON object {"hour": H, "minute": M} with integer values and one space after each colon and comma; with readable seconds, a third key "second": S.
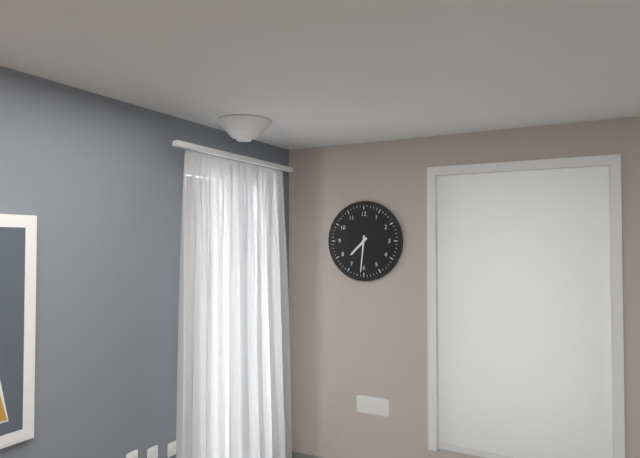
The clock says {"hour": 7, "minute": 31}
